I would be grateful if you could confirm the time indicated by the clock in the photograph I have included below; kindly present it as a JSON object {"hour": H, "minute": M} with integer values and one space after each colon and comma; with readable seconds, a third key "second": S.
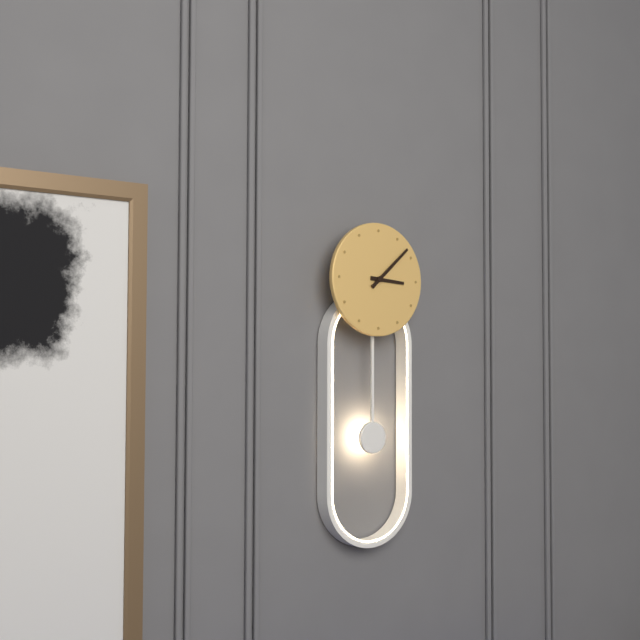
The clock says {"hour": 3, "minute": 8}
